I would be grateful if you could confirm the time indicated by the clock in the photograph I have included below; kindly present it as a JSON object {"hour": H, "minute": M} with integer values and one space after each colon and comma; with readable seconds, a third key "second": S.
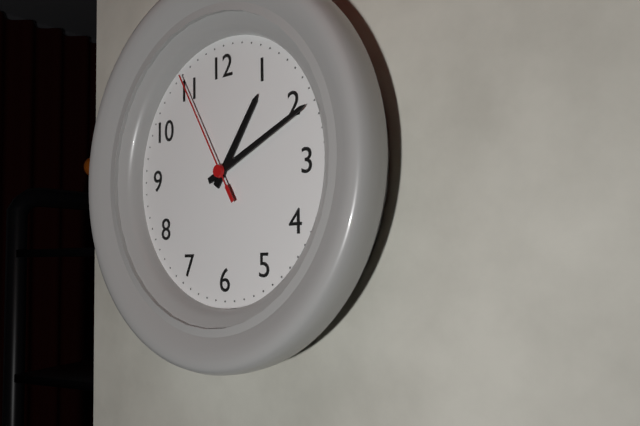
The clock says {"hour": 1, "minute": 11, "second": 55}
